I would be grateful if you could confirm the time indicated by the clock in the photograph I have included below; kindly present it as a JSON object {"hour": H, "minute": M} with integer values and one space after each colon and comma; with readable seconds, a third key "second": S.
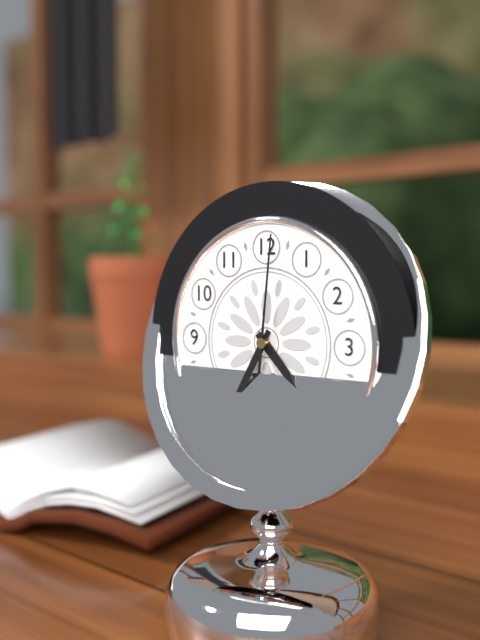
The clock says {"hour": 4, "minute": 35, "second": 1}
